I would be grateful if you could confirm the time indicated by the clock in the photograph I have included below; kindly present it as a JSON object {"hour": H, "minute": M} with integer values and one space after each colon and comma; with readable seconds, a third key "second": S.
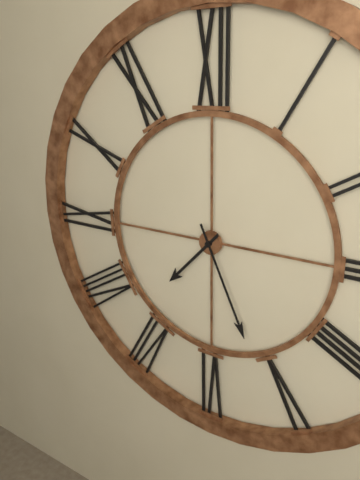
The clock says {"hour": 7, "minute": 26}
